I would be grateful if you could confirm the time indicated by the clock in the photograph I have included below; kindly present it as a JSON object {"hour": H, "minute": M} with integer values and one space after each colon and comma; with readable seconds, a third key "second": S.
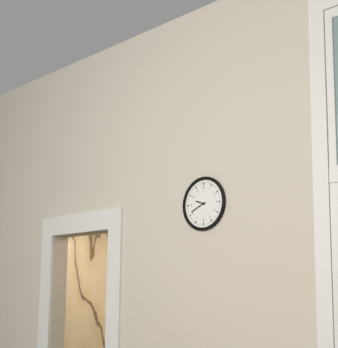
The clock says {"hour": 9, "minute": 41}
